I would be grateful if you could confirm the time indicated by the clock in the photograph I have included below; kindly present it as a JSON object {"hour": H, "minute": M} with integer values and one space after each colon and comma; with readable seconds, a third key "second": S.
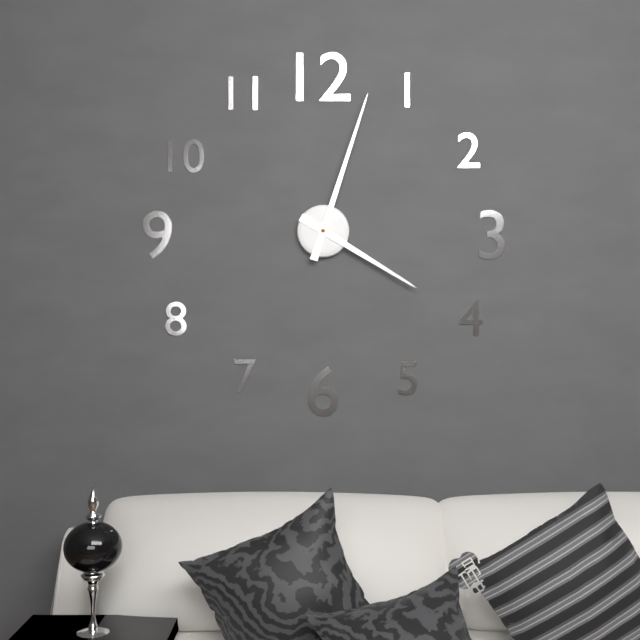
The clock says {"hour": 4, "minute": 3}
